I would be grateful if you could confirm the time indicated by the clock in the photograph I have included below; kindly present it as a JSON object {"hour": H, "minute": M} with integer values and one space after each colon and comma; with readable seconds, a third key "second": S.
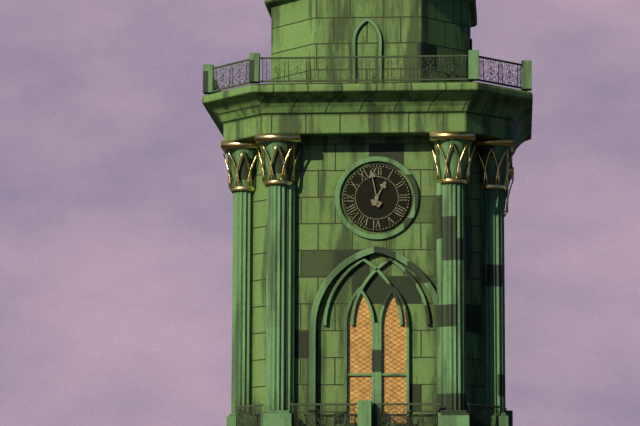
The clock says {"hour": 12, "minute": 58}
